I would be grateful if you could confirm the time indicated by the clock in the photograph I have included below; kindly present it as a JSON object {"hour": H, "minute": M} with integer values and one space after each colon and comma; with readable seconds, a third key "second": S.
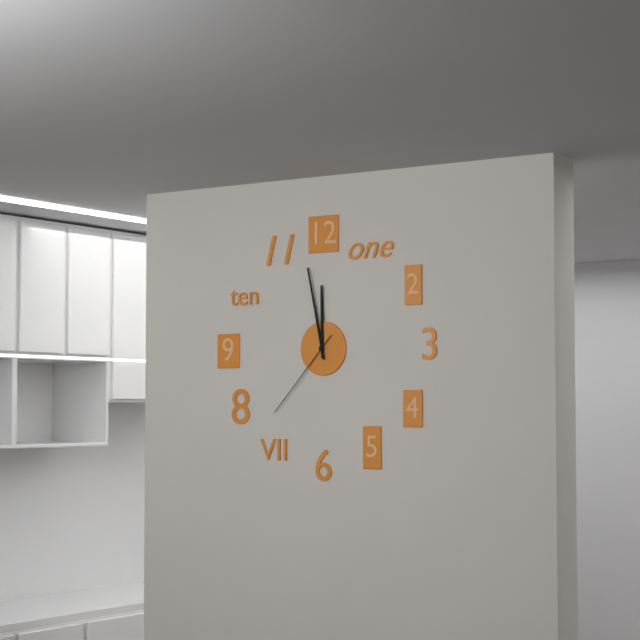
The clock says {"hour": 11, "minute": 58, "second": 37}
